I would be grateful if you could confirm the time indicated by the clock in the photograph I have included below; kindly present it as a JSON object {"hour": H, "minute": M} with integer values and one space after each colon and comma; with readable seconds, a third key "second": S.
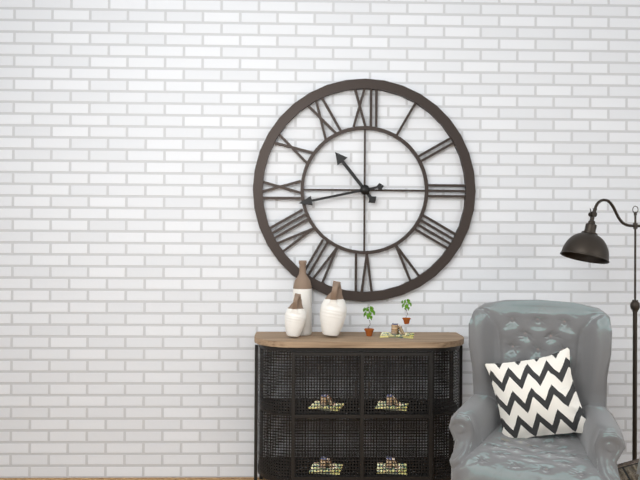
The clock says {"hour": 10, "minute": 43}
